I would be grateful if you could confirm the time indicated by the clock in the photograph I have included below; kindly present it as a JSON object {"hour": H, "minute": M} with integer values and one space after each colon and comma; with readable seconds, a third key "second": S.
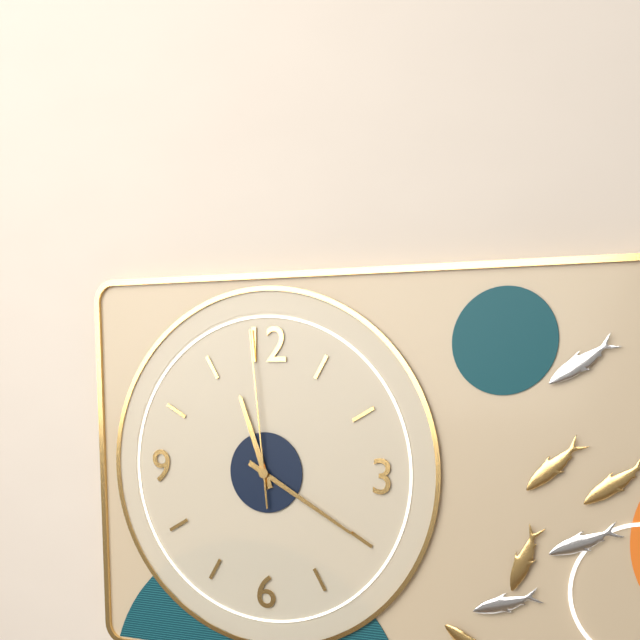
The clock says {"hour": 11, "minute": 20, "second": 59}
